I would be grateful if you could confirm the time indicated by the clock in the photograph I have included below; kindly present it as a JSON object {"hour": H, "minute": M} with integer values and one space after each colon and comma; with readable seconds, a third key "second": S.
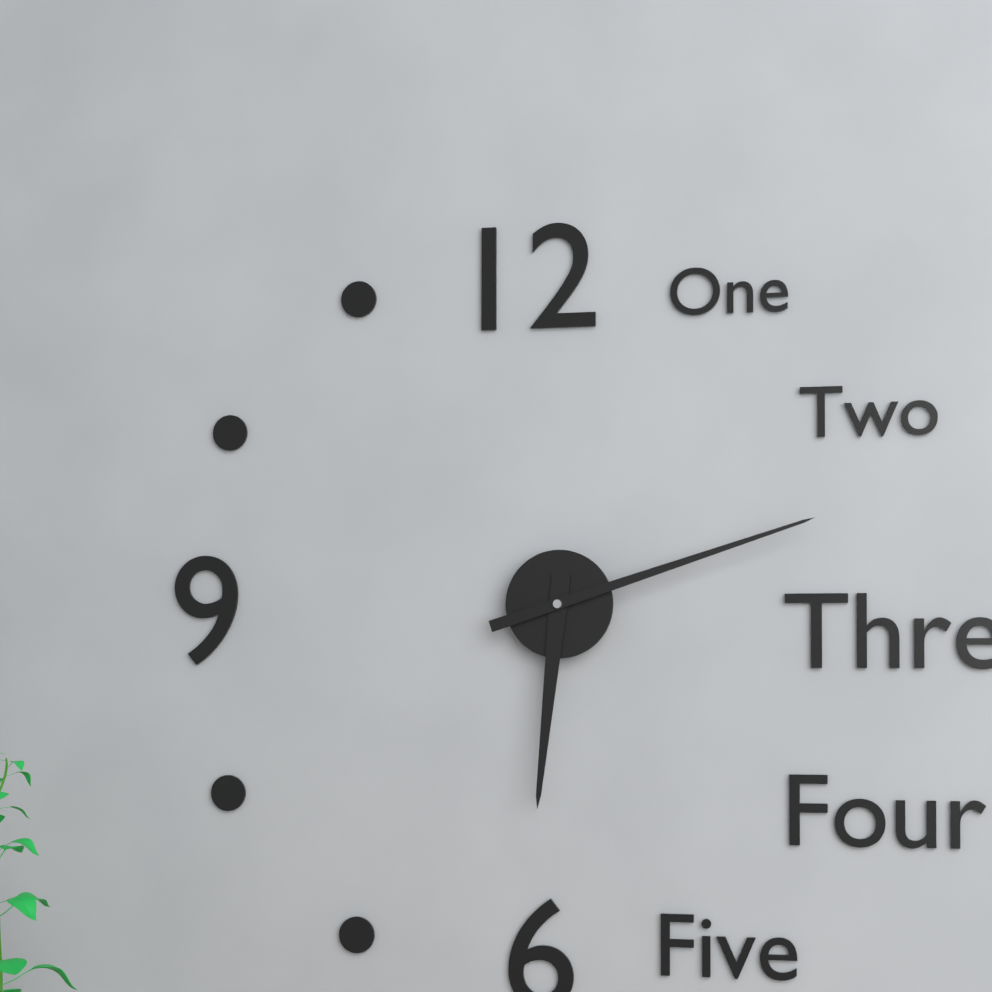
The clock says {"hour": 6, "minute": 12}
